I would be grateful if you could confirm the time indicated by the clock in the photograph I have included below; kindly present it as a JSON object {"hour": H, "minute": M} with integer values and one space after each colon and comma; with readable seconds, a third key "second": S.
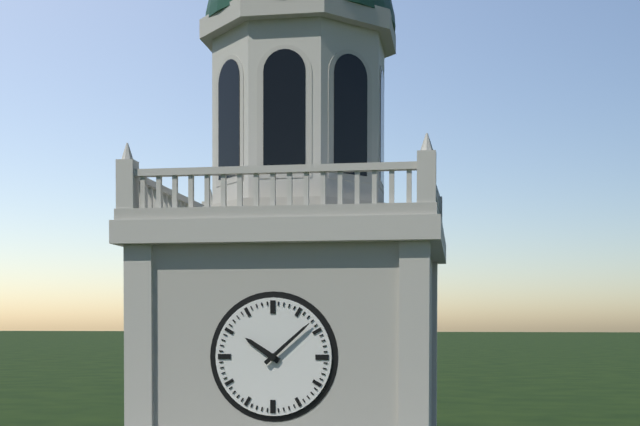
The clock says {"hour": 10, "minute": 8}
